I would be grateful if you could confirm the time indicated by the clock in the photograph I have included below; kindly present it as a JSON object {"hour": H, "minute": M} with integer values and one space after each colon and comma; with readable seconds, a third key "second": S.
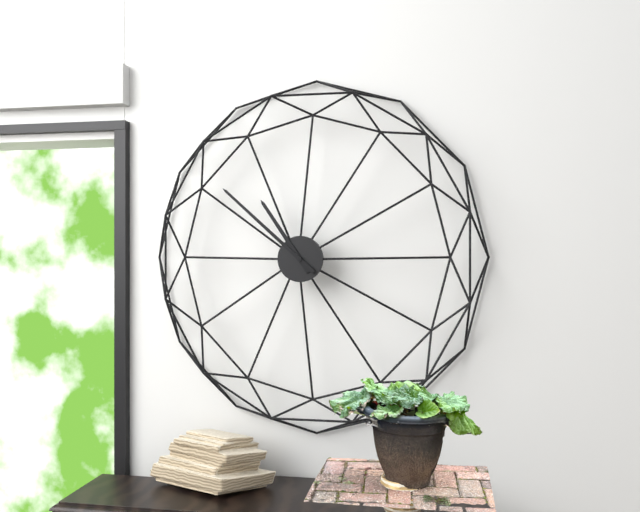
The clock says {"hour": 10, "minute": 52}
